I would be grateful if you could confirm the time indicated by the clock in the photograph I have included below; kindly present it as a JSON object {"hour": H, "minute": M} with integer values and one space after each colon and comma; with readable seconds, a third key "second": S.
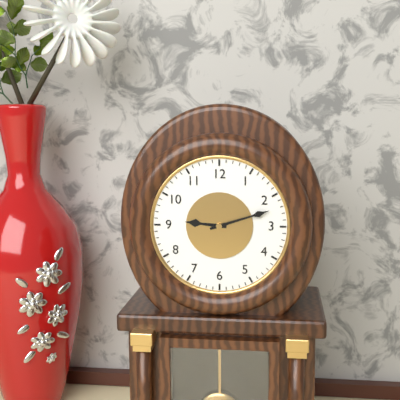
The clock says {"hour": 9, "minute": 12}
